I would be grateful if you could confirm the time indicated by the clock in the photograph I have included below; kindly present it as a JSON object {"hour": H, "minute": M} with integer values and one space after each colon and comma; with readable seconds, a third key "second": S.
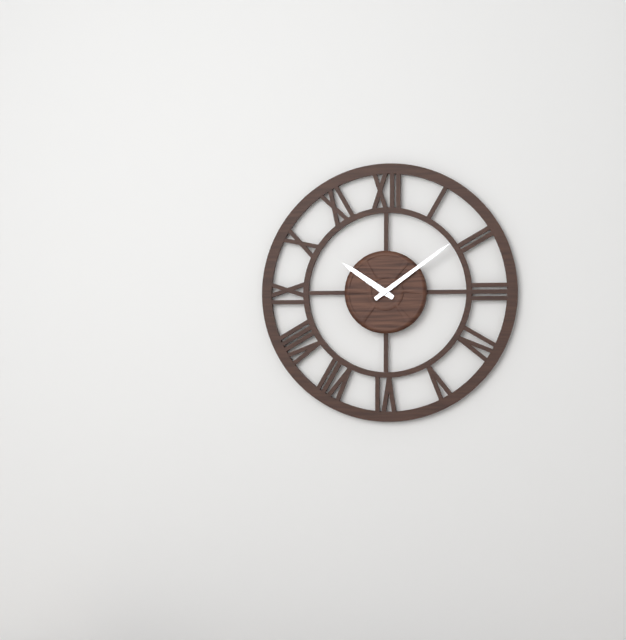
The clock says {"hour": 10, "minute": 9}
